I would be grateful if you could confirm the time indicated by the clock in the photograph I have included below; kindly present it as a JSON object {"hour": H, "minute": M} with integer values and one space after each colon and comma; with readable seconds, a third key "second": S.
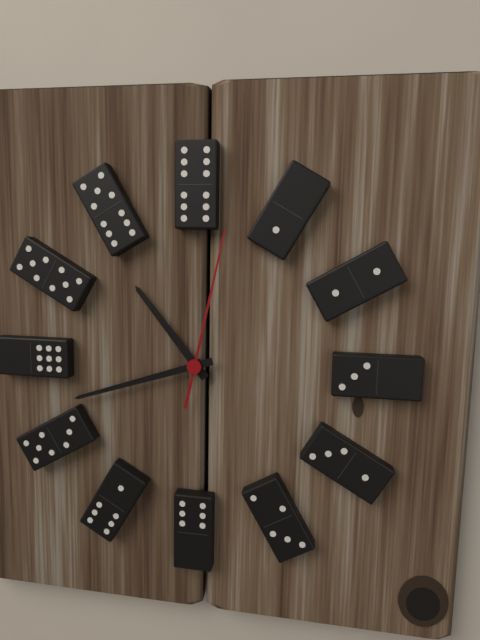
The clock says {"hour": 10, "minute": 42, "second": 2}
